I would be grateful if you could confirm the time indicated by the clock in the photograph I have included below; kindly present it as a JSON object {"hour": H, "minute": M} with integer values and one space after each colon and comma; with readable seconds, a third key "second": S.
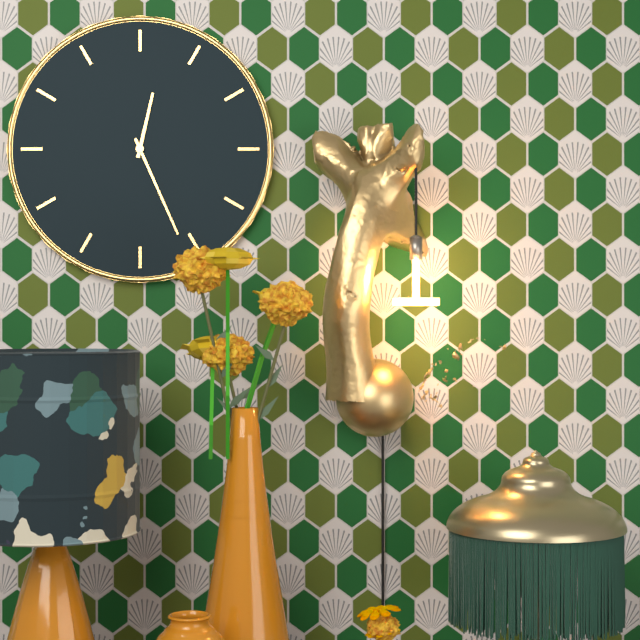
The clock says {"hour": 12, "minute": 26}
